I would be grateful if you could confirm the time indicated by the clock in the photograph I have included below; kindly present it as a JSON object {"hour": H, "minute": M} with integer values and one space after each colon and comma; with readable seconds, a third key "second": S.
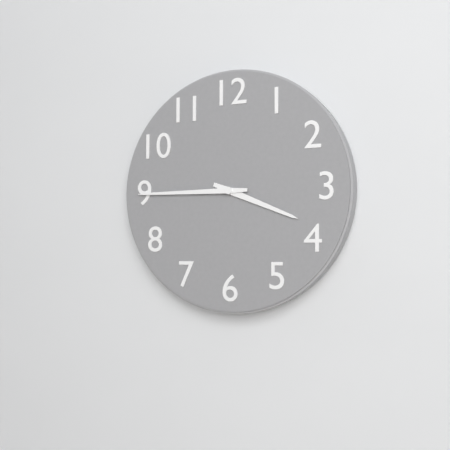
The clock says {"hour": 3, "minute": 45}
